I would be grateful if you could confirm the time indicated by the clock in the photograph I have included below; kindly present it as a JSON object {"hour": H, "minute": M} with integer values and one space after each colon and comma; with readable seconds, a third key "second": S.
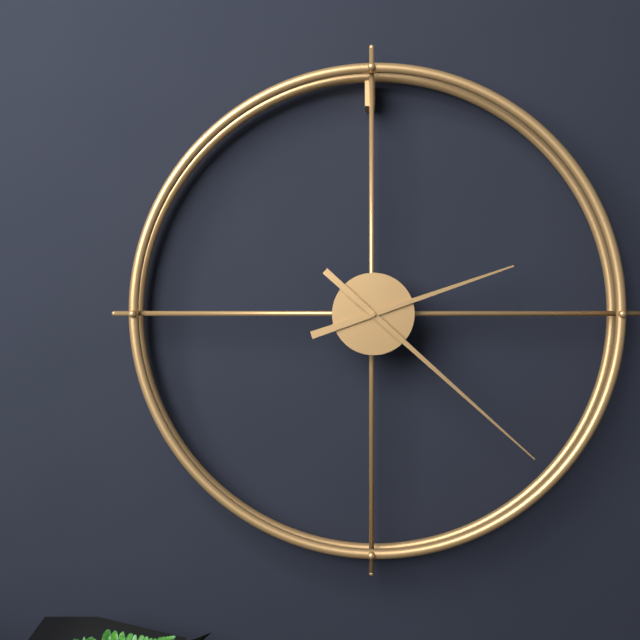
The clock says {"hour": 2, "minute": 22}
